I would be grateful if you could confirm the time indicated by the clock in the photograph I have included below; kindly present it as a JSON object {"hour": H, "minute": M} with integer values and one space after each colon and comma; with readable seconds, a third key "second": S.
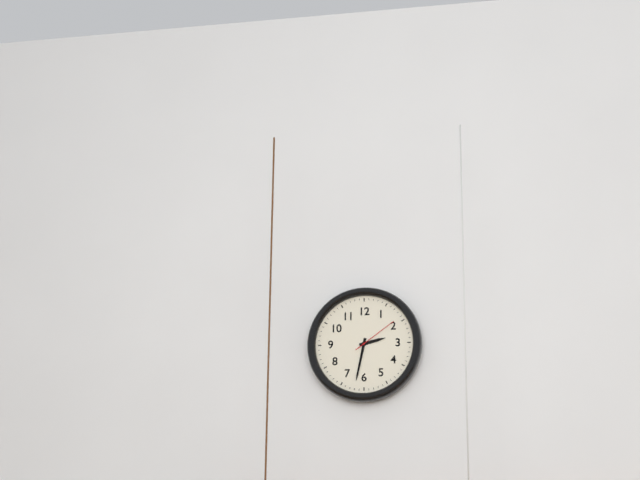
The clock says {"hour": 2, "minute": 32}
